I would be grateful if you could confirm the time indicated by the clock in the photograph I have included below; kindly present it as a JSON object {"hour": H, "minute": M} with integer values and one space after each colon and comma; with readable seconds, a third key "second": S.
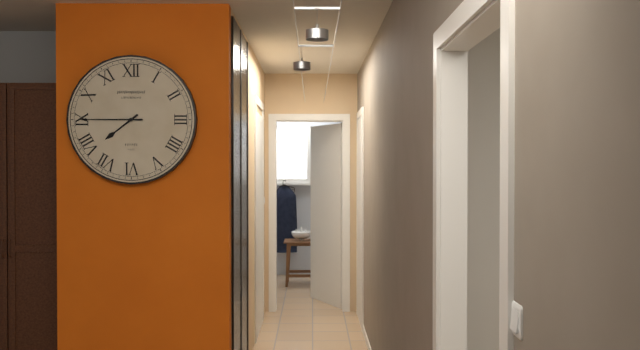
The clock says {"hour": 7, "minute": 45}
